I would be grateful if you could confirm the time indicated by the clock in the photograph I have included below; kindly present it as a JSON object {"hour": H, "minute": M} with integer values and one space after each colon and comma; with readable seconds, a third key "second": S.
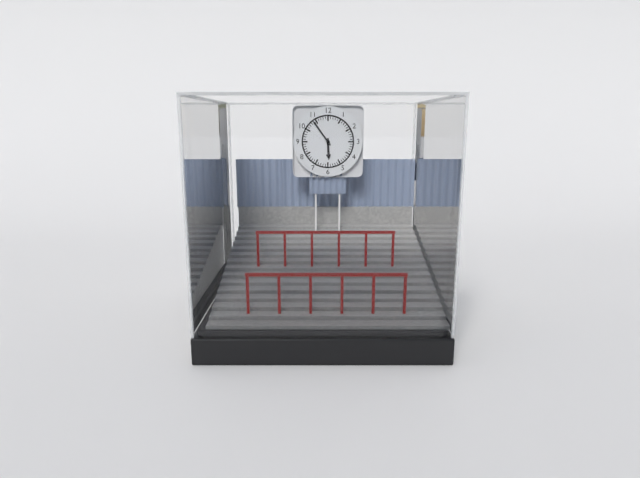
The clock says {"hour": 5, "minute": 54}
